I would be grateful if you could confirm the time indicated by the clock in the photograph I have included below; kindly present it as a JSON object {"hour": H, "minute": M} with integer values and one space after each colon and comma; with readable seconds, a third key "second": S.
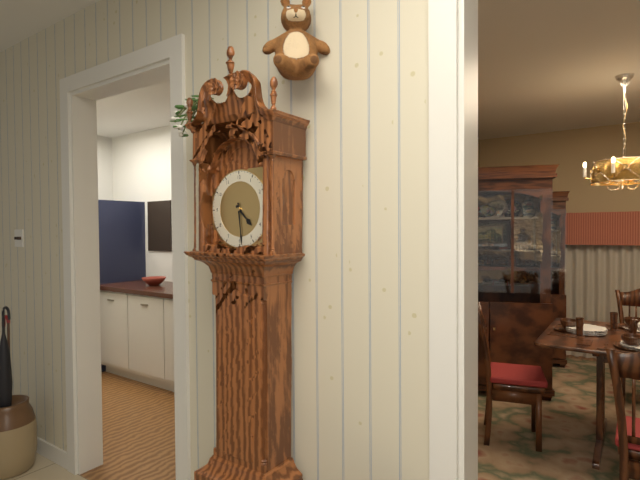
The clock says {"hour": 4, "minute": 29}
